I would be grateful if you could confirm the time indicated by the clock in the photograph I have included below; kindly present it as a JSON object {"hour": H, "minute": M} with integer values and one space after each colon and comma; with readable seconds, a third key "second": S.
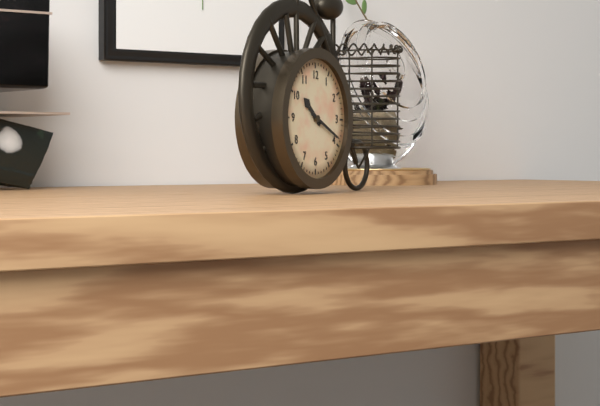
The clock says {"hour": 10, "minute": 19}
